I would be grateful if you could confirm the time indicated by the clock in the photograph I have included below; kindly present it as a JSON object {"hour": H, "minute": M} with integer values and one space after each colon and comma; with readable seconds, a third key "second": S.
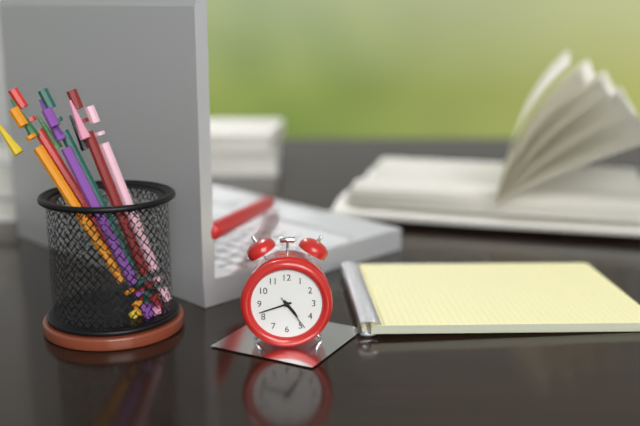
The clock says {"hour": 4, "minute": 42}
